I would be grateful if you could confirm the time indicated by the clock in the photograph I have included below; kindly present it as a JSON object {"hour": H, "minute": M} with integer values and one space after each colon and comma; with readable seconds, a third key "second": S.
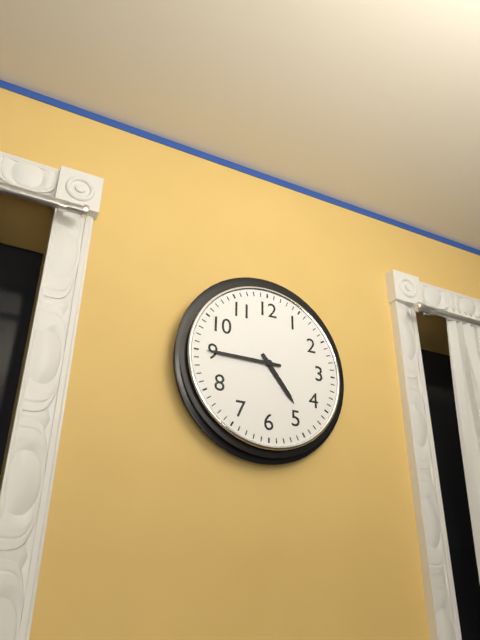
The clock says {"hour": 4, "minute": 45}
